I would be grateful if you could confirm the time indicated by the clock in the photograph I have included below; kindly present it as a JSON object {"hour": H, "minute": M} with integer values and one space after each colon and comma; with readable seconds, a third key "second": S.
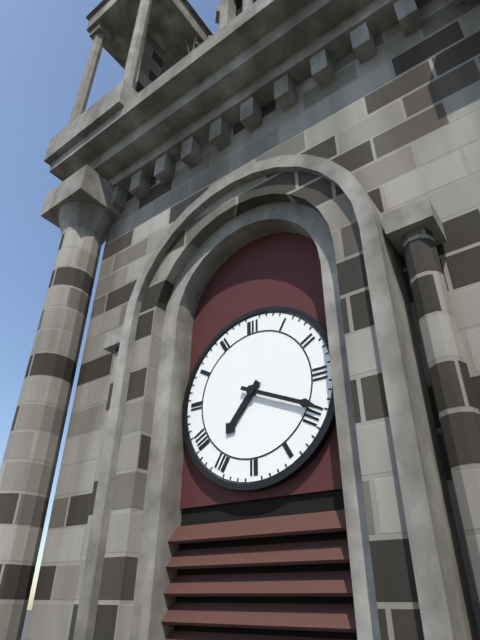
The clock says {"hour": 7, "minute": 19}
